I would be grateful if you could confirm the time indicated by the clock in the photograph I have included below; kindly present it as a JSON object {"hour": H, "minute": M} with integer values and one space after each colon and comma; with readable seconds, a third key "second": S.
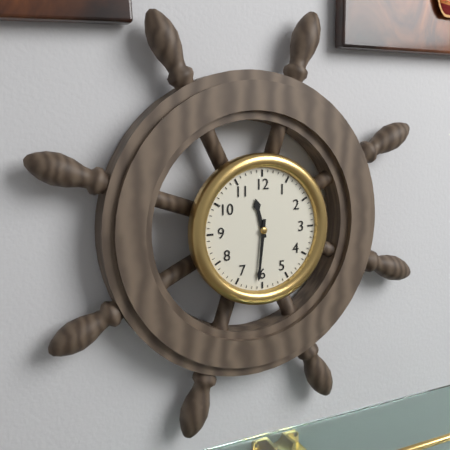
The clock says {"hour": 11, "minute": 31}
